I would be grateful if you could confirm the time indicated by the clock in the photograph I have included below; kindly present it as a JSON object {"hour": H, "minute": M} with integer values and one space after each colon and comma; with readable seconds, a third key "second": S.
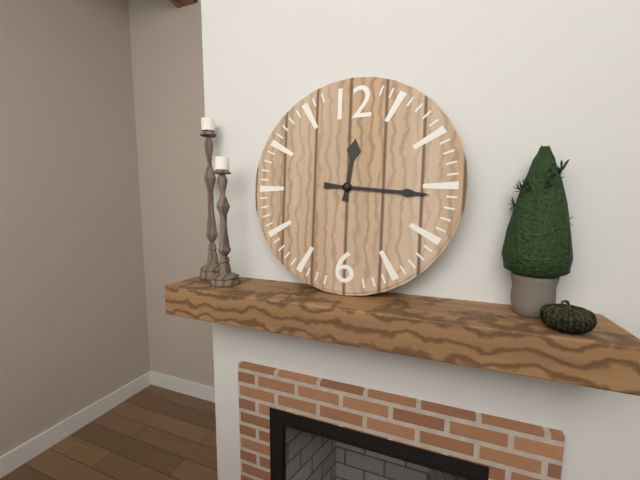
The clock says {"hour": 12, "minute": 16}
